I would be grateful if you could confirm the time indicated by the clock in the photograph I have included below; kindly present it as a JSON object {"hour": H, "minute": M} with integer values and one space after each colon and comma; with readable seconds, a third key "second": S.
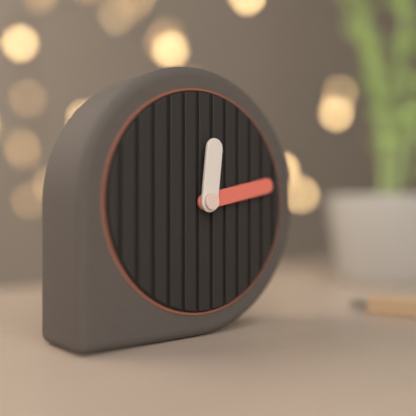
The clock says {"hour": 12, "minute": 13}
